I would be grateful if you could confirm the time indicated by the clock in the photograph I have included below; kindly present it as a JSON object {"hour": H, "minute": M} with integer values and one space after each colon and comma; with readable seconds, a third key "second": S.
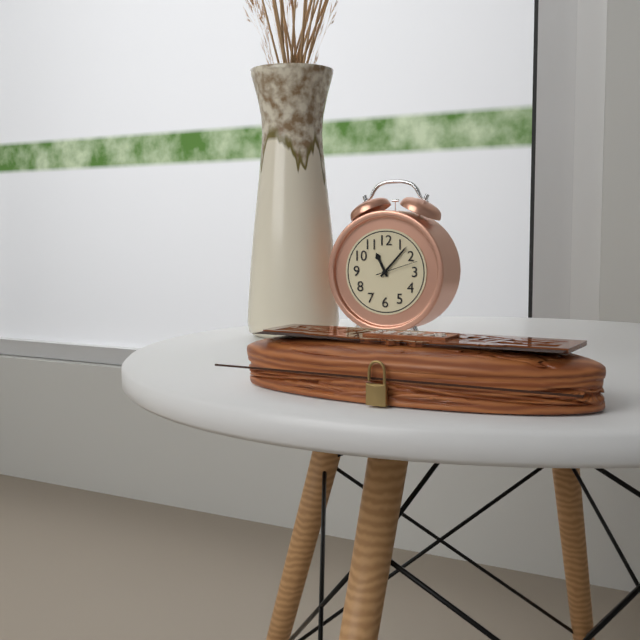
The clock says {"hour": 11, "minute": 7}
